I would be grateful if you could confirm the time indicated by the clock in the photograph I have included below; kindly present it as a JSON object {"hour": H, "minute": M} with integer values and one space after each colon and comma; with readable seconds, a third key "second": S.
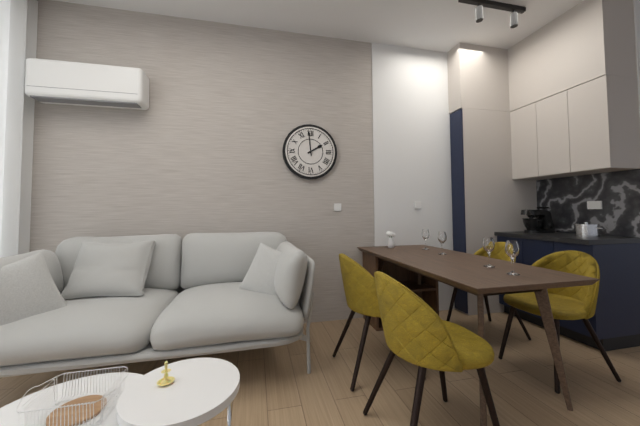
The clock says {"hour": 1, "minute": 59}
